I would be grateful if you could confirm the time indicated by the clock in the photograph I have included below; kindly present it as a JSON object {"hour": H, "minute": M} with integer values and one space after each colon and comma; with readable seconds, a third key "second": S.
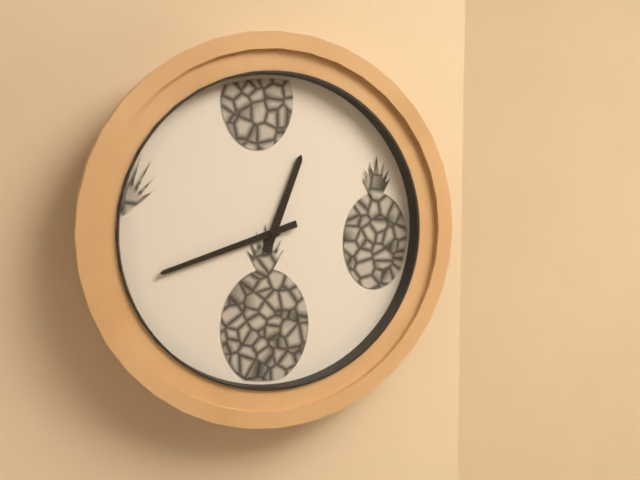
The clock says {"hour": 12, "minute": 42}
